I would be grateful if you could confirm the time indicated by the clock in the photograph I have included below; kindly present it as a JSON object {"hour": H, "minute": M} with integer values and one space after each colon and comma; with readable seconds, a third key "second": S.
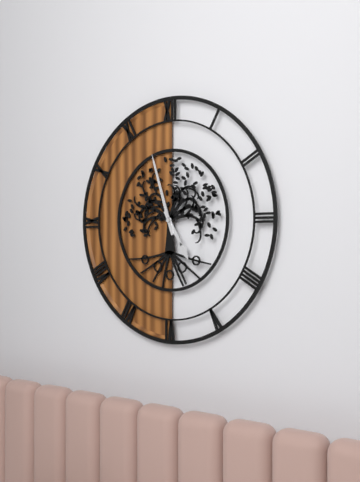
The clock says {"hour": 4, "minute": 57}
